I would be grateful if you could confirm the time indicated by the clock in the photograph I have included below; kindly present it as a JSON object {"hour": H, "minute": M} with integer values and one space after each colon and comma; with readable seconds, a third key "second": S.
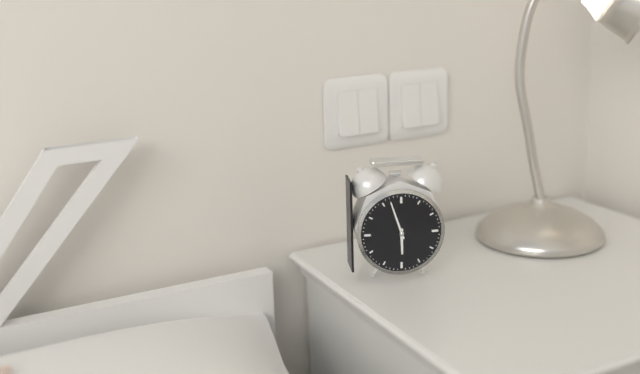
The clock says {"hour": 5, "minute": 57}
